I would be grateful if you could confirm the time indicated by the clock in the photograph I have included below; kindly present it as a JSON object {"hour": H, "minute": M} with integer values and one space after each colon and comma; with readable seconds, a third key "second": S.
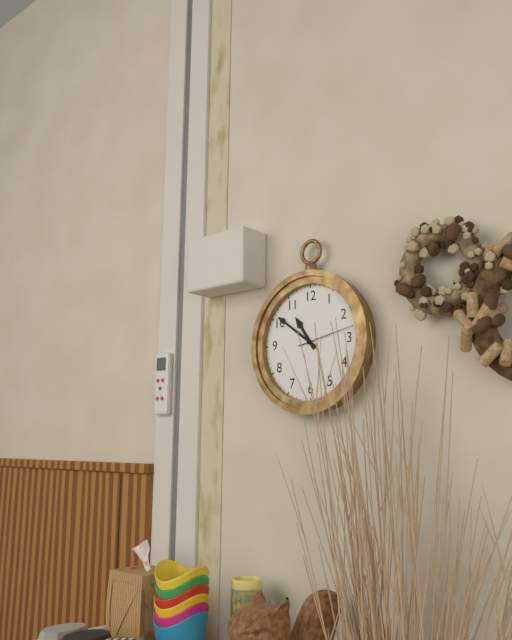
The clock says {"hour": 10, "minute": 51, "second": 13}
